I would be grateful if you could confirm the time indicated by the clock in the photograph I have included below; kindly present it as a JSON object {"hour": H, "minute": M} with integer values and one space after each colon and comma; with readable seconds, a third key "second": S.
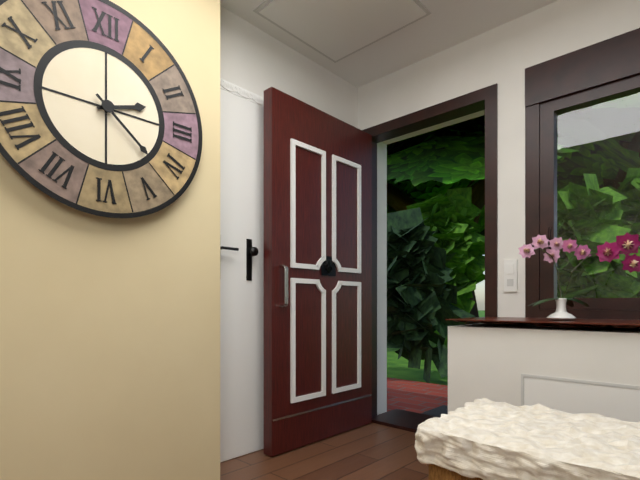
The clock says {"hour": 2, "minute": 22}
